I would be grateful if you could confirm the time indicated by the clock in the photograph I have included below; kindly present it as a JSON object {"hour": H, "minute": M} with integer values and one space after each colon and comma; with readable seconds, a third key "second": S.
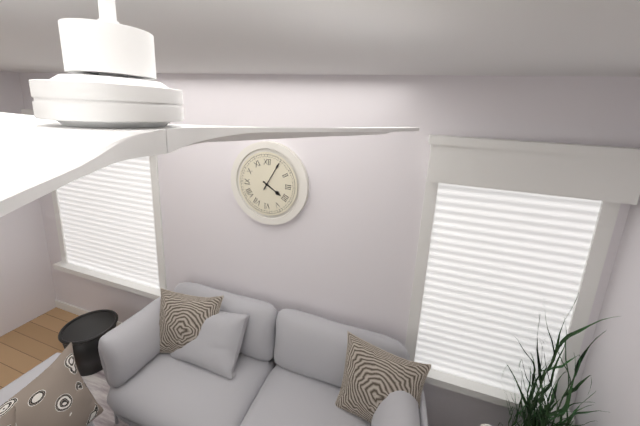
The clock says {"hour": 4, "minute": 5}
